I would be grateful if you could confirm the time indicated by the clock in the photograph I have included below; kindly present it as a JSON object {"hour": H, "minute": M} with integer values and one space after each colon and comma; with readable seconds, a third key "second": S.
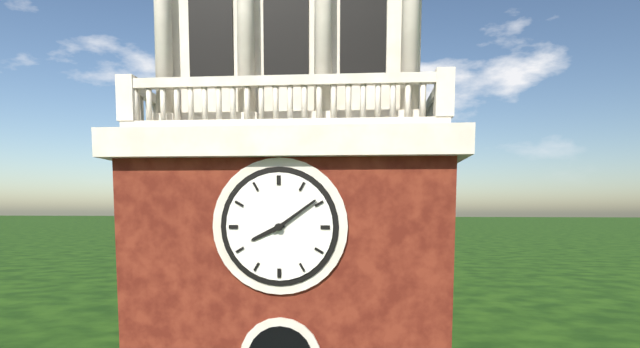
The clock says {"hour": 8, "minute": 9}
